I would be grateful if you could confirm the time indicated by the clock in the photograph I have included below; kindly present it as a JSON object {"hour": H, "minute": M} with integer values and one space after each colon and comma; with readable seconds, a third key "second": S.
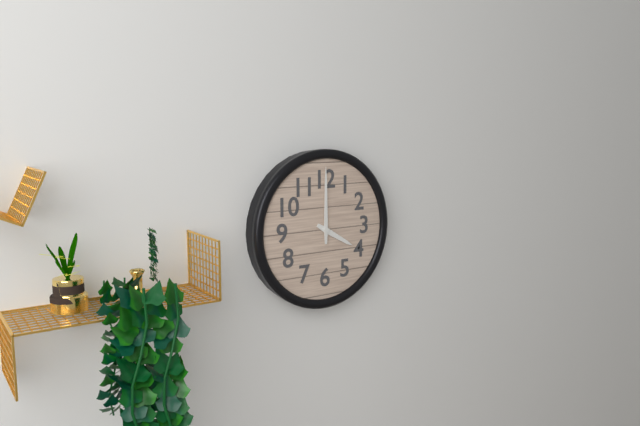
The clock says {"hour": 4, "minute": 0}
